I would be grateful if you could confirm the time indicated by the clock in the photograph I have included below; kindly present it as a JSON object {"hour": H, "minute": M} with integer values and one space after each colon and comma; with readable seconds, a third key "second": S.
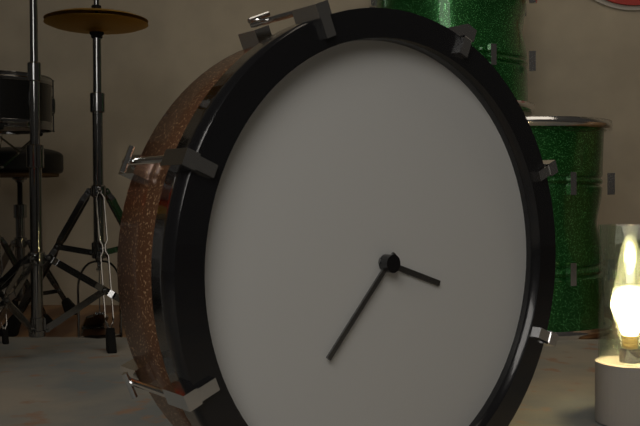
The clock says {"hour": 3, "minute": 37}
